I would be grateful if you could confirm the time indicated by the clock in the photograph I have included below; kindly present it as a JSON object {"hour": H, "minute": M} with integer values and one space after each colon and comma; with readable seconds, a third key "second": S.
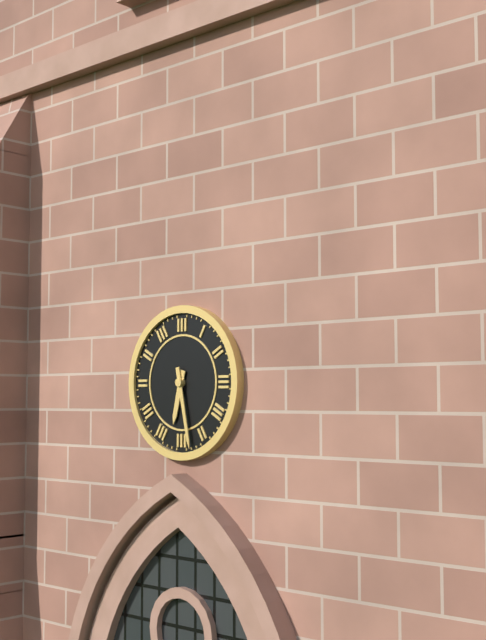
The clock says {"hour": 6, "minute": 28}
